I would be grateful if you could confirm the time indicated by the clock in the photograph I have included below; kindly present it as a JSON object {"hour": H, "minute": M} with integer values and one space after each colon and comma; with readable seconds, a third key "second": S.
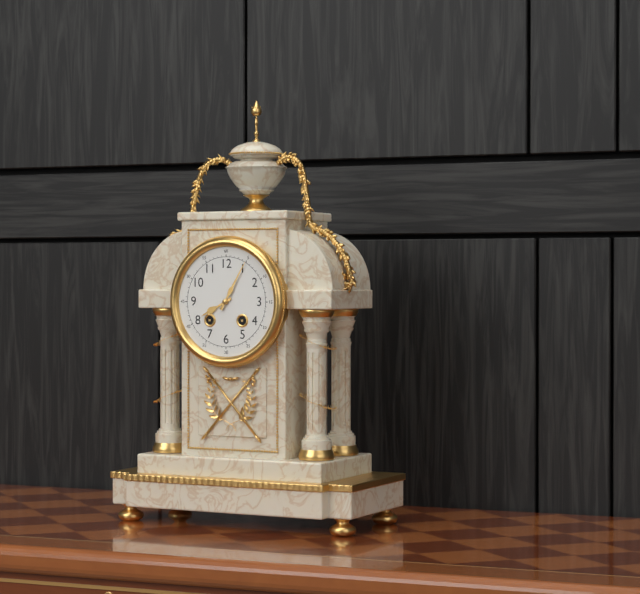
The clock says {"hour": 8, "minute": 5}
